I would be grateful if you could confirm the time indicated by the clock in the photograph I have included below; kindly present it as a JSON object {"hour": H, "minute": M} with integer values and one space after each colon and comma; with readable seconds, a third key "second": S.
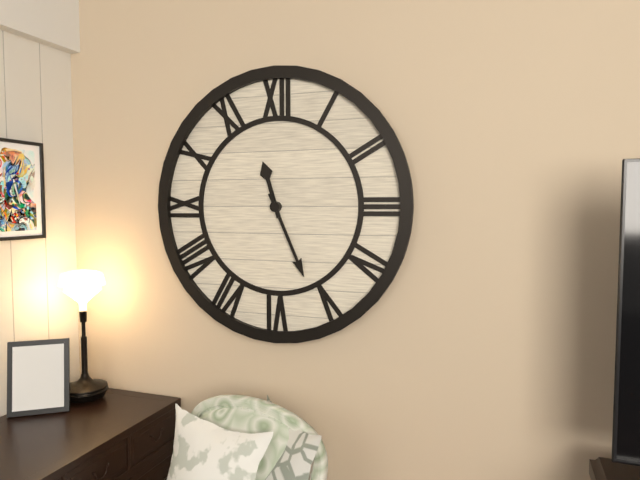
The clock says {"hour": 11, "minute": 26}
